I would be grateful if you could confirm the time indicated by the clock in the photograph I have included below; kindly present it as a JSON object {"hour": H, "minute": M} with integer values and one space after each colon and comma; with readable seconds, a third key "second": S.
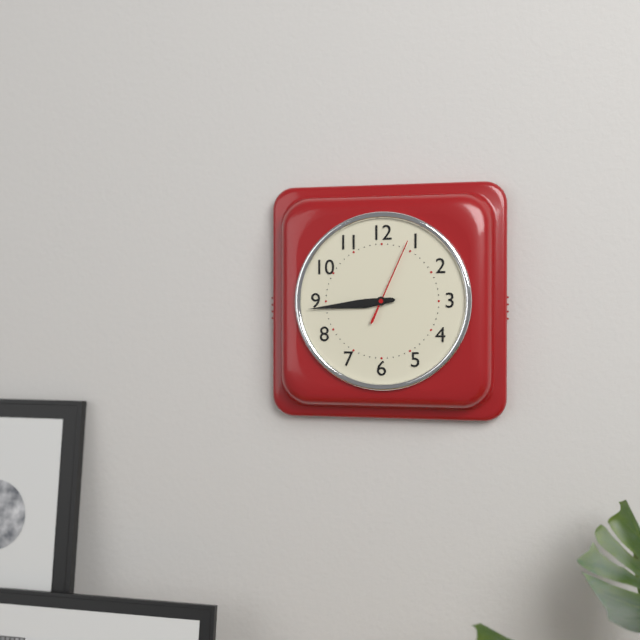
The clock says {"hour": 8, "minute": 44, "second": 4}
